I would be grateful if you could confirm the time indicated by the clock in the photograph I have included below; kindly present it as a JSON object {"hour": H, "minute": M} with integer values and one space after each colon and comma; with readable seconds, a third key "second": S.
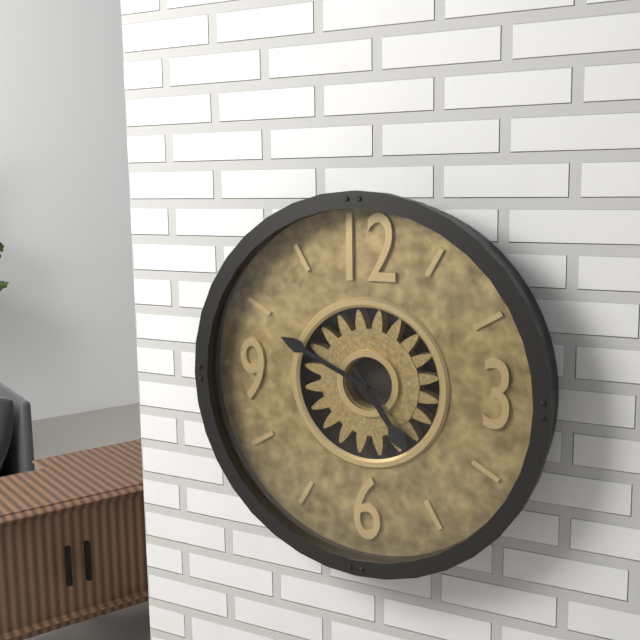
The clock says {"hour": 4, "minute": 49}
